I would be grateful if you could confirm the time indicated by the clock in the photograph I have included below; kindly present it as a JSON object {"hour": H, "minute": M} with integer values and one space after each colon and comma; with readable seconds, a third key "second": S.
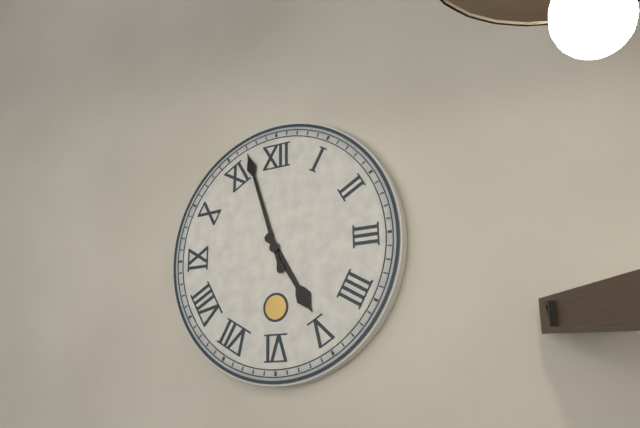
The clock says {"hour": 4, "minute": 57}
